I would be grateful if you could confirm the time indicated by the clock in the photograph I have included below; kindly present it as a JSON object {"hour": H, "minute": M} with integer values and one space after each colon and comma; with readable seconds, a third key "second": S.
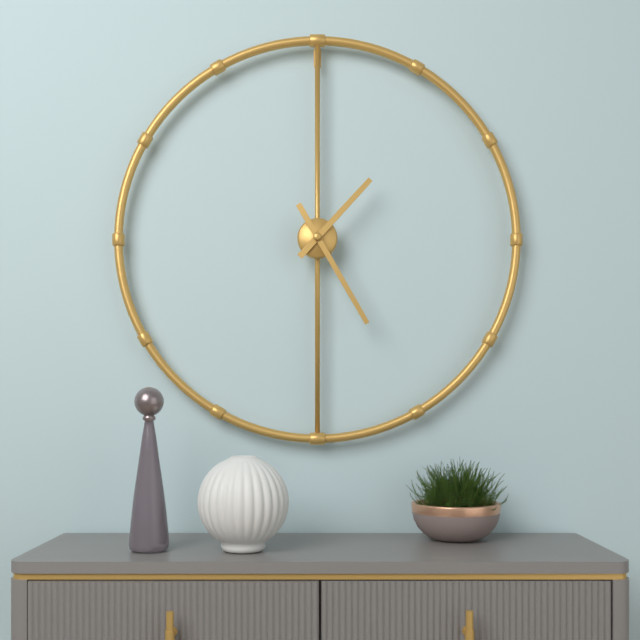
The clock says {"hour": 1, "minute": 25}
